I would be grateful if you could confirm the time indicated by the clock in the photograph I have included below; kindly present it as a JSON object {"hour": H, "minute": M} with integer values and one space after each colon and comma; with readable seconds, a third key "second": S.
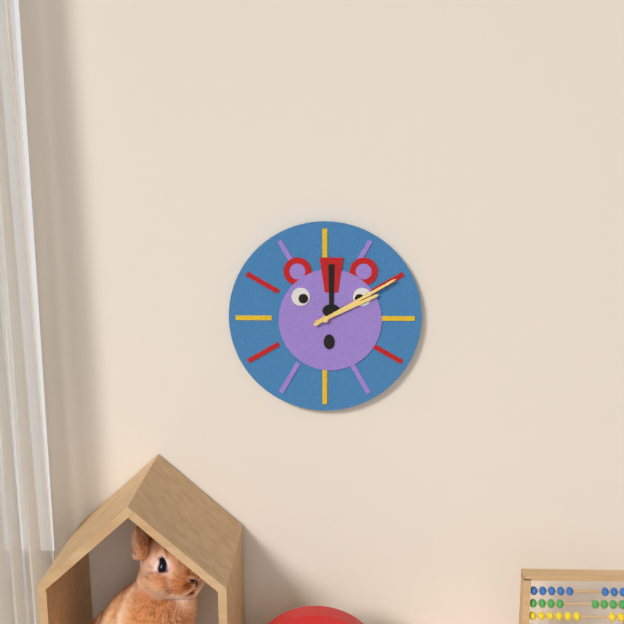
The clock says {"hour": 2, "minute": 10}
